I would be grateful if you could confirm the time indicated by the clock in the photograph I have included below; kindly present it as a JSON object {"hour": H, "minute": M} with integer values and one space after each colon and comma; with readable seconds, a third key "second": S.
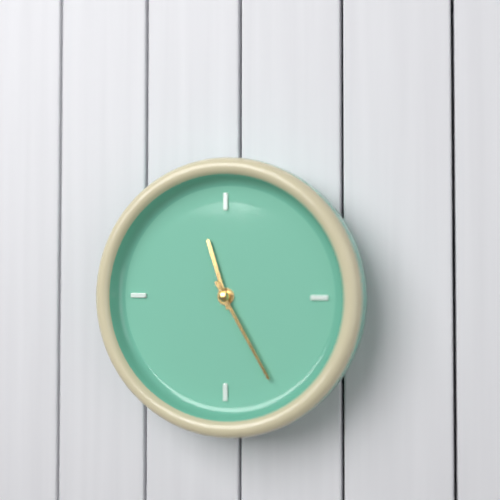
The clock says {"hour": 11, "minute": 25}
